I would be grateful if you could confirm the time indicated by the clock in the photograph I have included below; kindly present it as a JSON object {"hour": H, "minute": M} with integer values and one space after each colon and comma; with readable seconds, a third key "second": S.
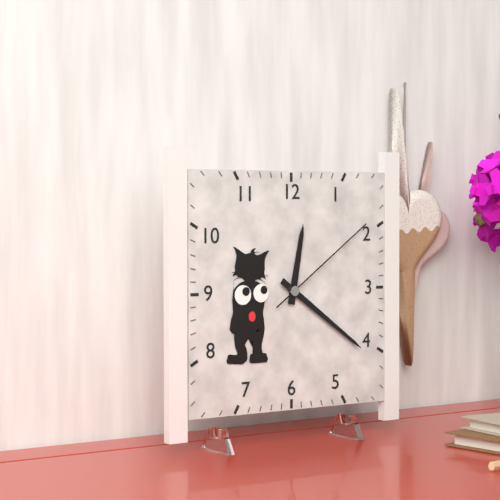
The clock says {"hour": 12, "minute": 21, "second": 9}
